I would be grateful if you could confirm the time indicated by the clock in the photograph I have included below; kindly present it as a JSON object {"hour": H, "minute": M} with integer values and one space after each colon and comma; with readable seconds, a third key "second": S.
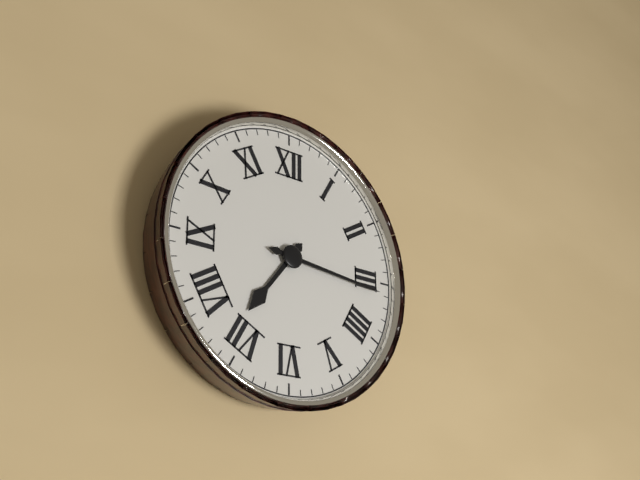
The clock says {"hour": 7, "minute": 16}
